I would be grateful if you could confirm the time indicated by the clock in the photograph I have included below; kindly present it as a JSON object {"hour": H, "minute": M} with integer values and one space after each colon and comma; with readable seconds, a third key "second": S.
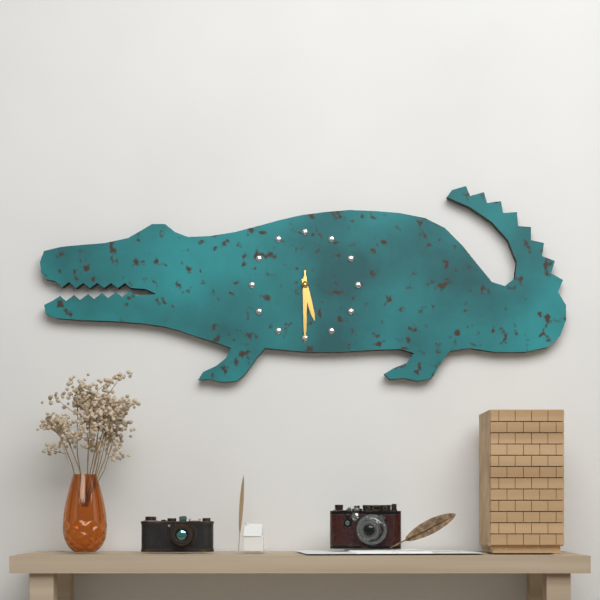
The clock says {"hour": 5, "minute": 30, "second": 30}
